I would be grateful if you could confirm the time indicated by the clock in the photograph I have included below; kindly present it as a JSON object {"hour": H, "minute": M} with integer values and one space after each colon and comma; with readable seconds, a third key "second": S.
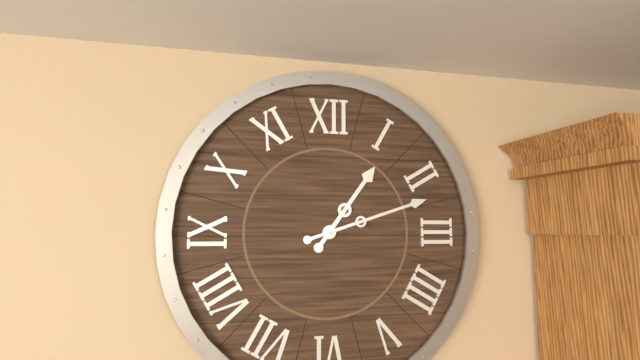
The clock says {"hour": 1, "minute": 12}
